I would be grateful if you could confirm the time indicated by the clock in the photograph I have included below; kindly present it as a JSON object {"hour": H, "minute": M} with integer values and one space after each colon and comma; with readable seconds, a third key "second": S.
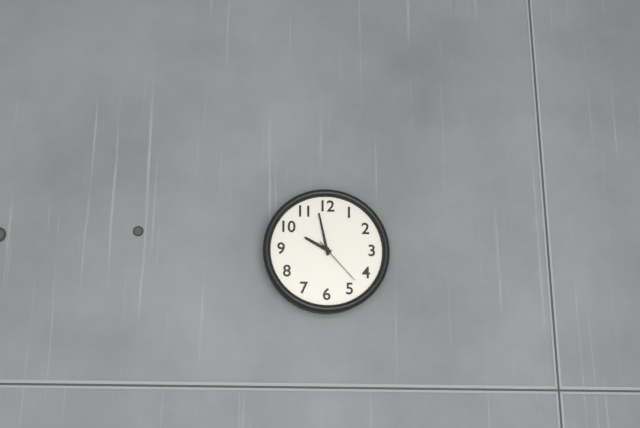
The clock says {"hour": 9, "minute": 58, "second": 23}
